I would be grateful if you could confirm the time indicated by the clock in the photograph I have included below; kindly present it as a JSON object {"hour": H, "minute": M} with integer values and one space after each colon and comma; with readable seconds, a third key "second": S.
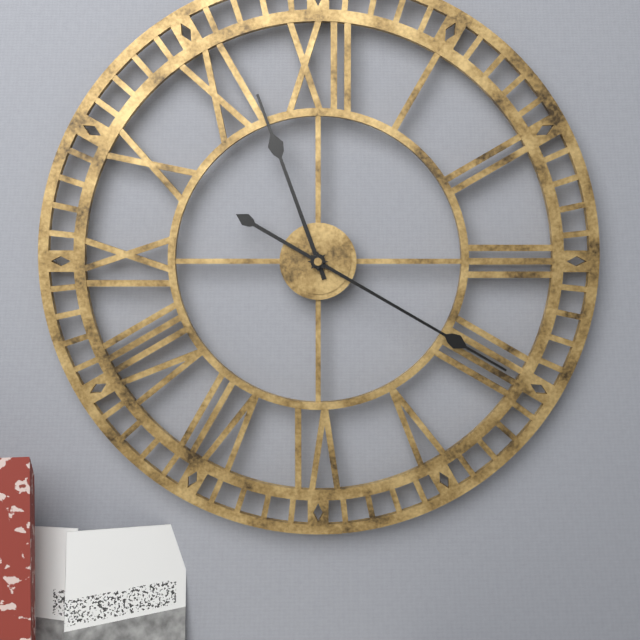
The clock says {"hour": 11, "minute": 20}
